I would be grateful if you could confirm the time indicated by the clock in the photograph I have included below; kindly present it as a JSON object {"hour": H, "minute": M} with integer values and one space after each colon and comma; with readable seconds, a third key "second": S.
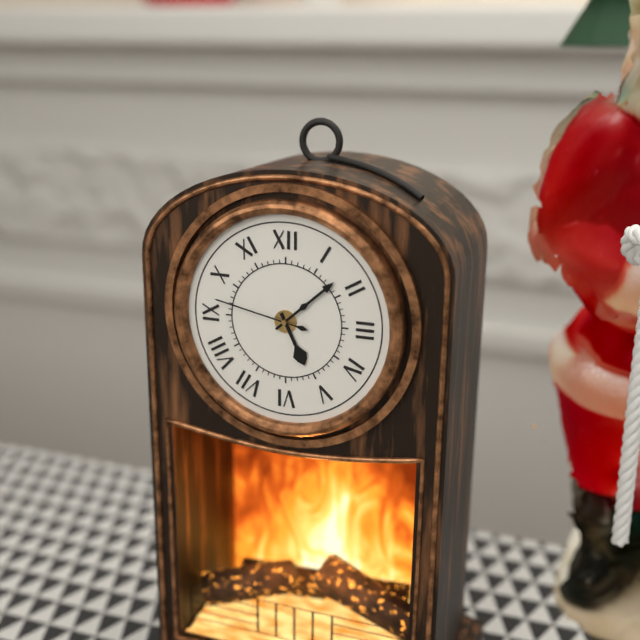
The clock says {"hour": 5, "minute": 8, "second": 47}
